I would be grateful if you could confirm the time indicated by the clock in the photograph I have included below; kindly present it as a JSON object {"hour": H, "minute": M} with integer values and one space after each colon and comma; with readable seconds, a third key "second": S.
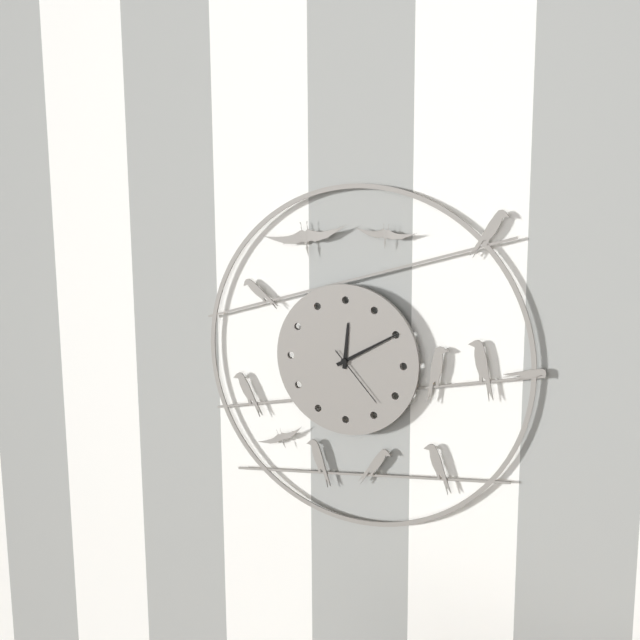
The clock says {"hour": 12, "minute": 10, "second": 23}
